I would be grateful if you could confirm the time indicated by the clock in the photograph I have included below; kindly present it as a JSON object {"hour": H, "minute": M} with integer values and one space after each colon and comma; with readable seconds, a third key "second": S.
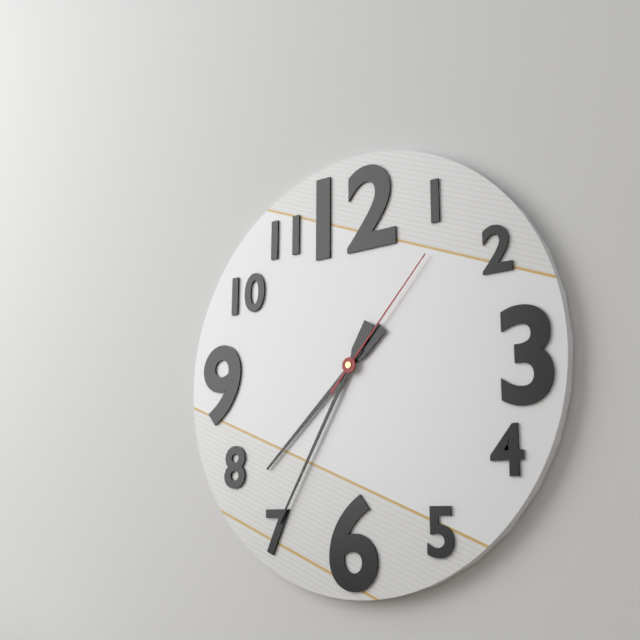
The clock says {"hour": 7, "minute": 35, "second": 7}
